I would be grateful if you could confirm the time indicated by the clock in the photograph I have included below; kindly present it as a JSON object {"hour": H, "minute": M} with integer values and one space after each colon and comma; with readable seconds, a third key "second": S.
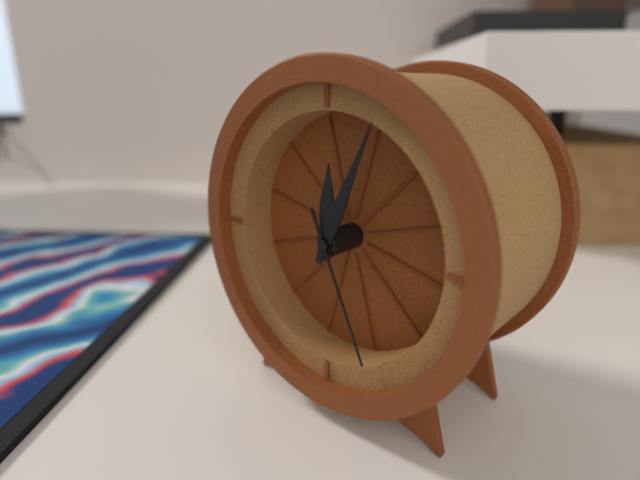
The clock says {"hour": 12, "minute": 4, "second": 26}
